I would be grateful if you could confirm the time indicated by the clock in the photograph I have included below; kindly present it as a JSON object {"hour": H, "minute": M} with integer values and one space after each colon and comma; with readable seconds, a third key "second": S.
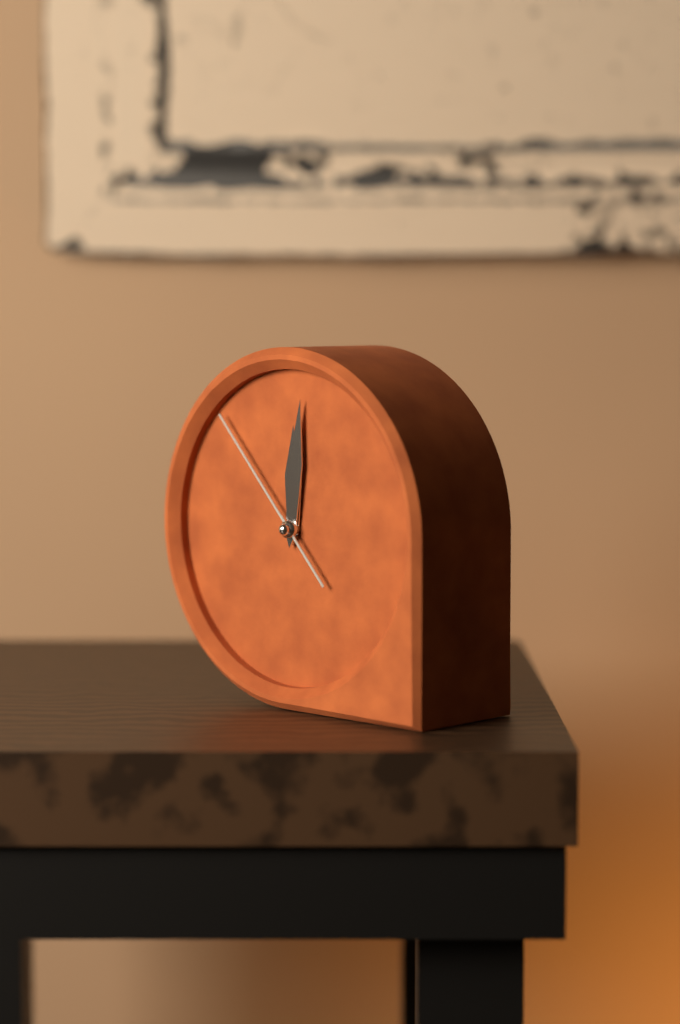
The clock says {"hour": 12, "minute": 1, "second": 53}
